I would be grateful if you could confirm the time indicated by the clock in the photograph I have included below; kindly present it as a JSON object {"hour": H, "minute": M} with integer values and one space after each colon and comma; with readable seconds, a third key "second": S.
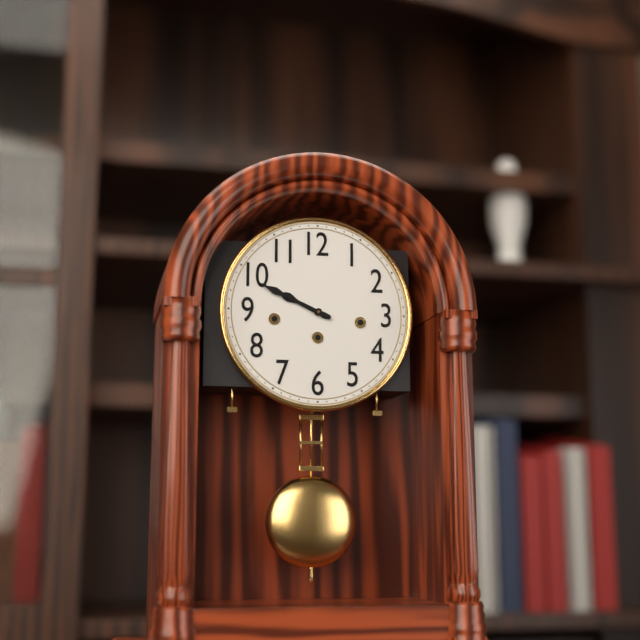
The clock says {"hour": 9, "minute": 49}
